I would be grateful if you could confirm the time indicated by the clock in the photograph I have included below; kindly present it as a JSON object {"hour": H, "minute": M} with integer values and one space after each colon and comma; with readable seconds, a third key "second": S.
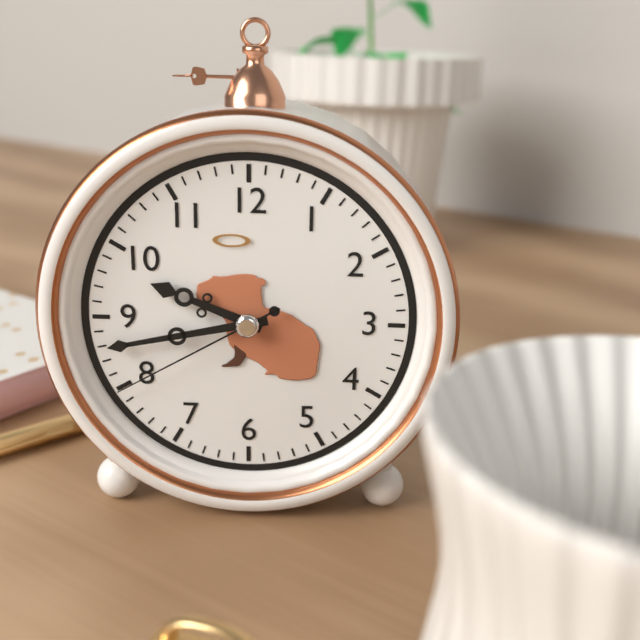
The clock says {"hour": 9, "minute": 43, "second": 40}
